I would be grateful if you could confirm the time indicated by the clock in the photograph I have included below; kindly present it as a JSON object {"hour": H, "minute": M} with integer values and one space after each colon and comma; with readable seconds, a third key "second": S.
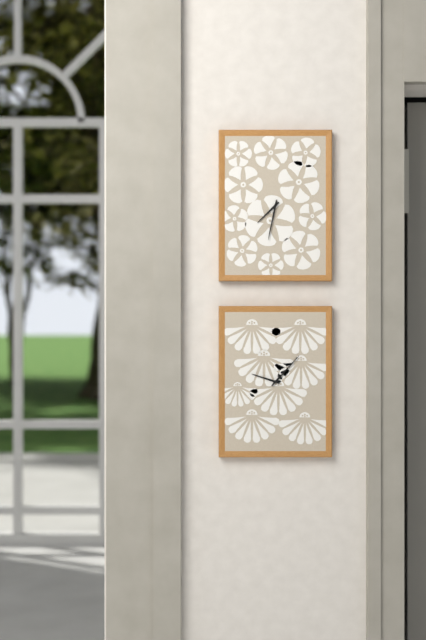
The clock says {"hour": 7, "minute": 32}
